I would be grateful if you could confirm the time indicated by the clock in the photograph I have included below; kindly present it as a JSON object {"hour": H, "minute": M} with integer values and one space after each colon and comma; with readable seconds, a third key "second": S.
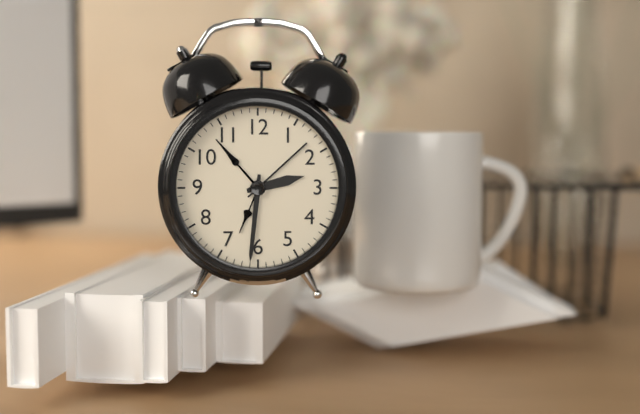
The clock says {"hour": 2, "minute": 31}
